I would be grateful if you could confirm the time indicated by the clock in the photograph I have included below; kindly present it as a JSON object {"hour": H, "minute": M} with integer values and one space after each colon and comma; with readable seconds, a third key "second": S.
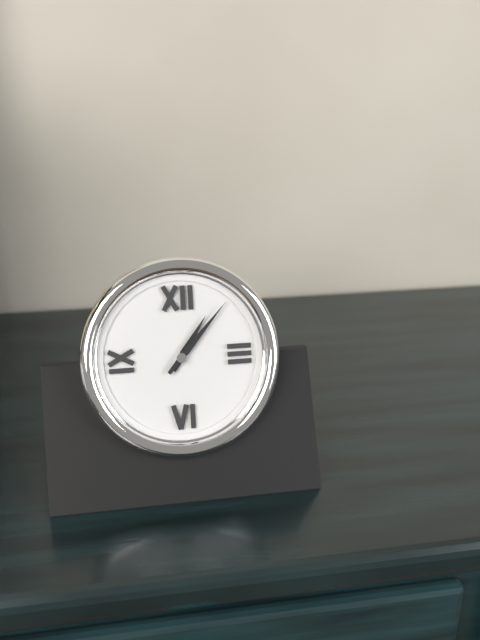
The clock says {"hour": 1, "minute": 7}
